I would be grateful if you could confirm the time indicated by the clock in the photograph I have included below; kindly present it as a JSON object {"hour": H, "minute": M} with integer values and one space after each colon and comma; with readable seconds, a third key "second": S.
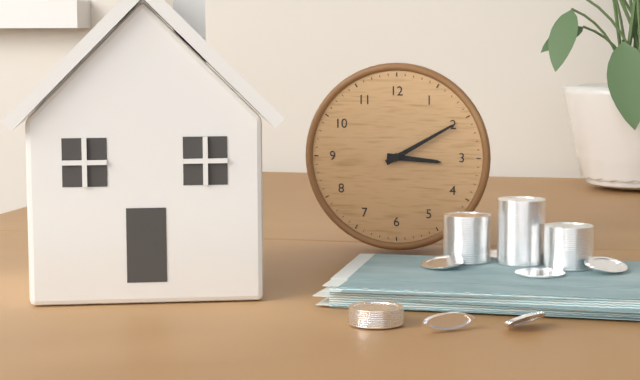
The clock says {"hour": 3, "minute": 10}
